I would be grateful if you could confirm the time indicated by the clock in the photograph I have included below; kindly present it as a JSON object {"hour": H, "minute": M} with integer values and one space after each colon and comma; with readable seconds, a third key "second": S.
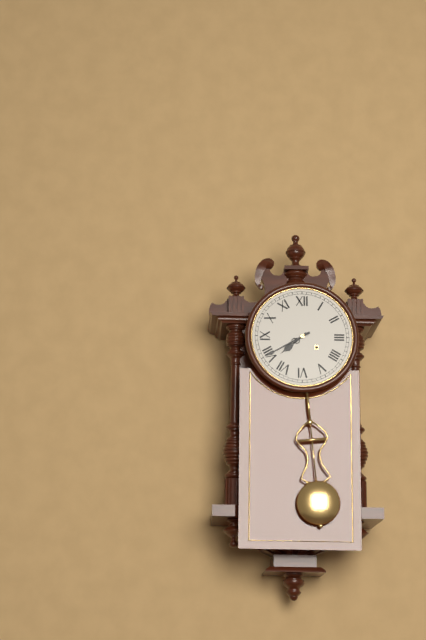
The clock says {"hour": 7, "minute": 40}
